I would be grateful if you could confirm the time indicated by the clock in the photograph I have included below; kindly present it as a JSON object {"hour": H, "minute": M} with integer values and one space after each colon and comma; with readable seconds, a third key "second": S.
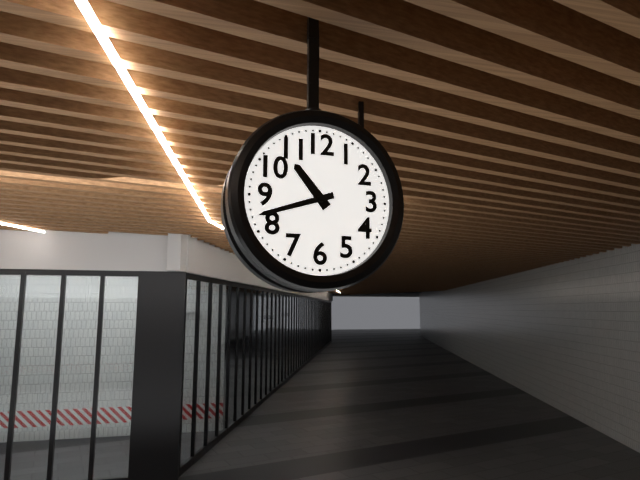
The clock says {"hour": 10, "minute": 42}
